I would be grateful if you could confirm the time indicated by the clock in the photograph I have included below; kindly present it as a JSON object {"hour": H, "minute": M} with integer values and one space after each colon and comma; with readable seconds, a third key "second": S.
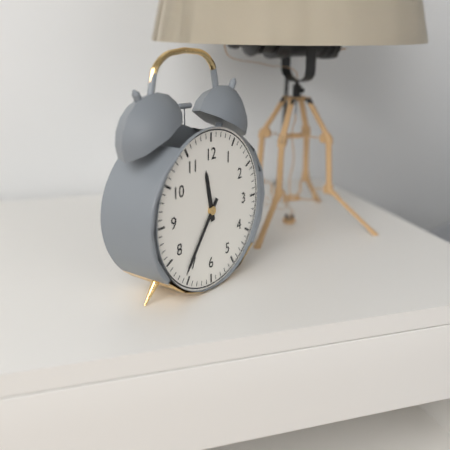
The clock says {"hour": 11, "minute": 36}
